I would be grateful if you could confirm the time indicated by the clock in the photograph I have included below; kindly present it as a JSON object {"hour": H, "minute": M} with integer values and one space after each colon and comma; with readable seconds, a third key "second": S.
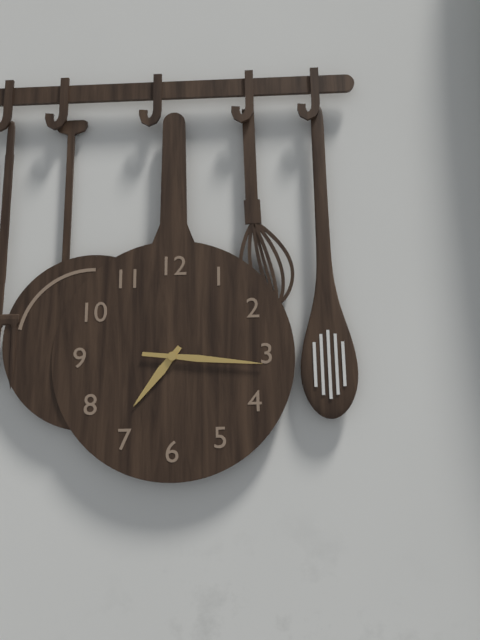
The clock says {"hour": 7, "minute": 16}
